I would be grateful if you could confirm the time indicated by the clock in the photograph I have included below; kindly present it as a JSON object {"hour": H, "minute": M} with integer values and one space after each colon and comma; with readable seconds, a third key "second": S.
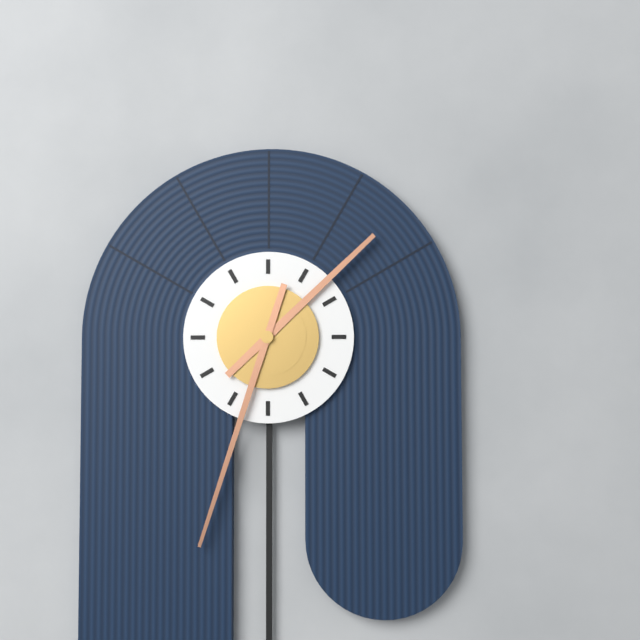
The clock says {"hour": 1, "minute": 33}
